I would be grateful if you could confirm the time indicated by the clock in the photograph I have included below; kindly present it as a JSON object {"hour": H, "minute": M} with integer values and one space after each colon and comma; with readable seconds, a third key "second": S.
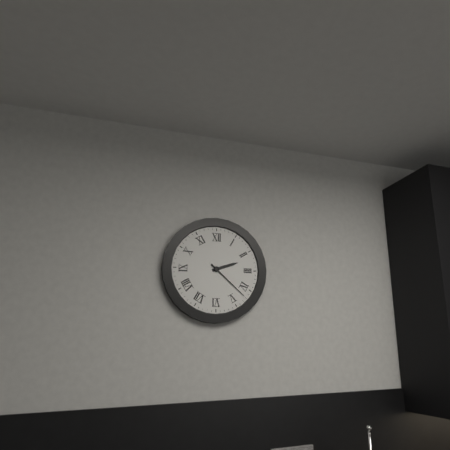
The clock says {"hour": 2, "minute": 22}
